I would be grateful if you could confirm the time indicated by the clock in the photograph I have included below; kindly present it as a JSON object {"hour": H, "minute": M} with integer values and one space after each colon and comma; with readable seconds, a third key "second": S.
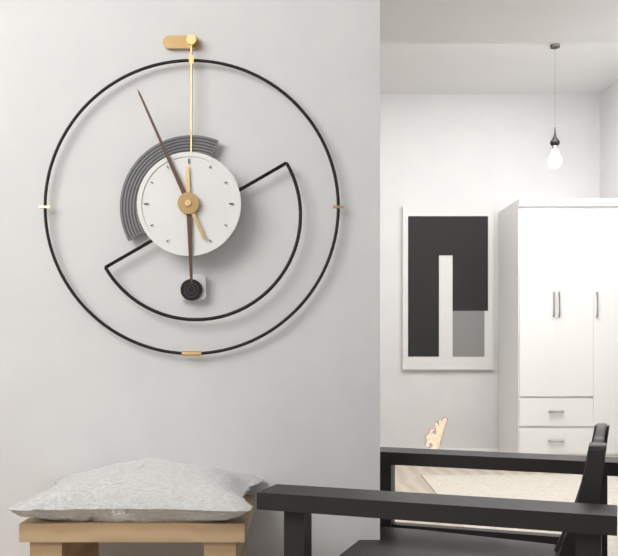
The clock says {"hour": 5, "minute": 56}
